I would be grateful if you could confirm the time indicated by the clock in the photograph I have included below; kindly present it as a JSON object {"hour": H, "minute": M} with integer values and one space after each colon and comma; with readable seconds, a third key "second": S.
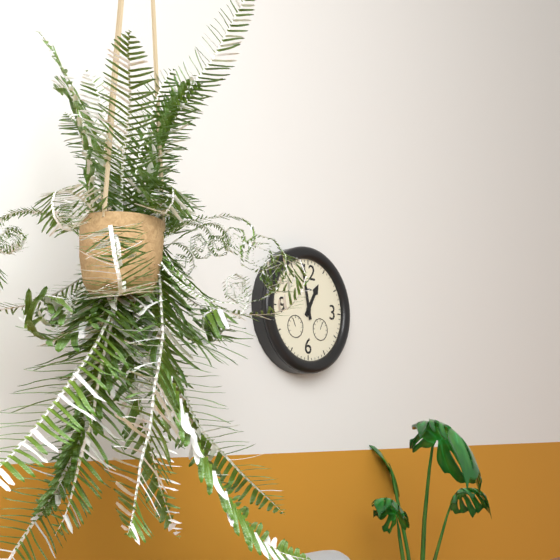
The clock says {"hour": 12, "minute": 58}
